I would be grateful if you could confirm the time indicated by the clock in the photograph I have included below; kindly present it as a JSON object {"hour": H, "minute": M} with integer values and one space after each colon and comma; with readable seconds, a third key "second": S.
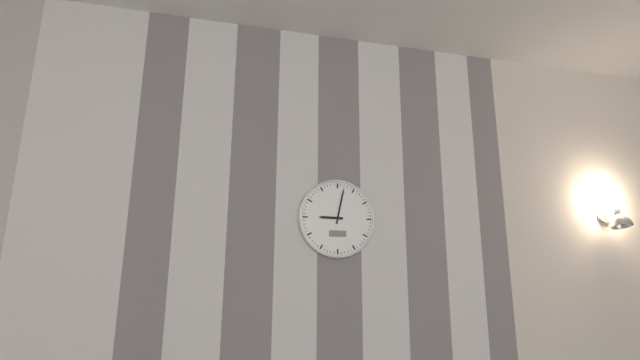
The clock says {"hour": 9, "minute": 2}
